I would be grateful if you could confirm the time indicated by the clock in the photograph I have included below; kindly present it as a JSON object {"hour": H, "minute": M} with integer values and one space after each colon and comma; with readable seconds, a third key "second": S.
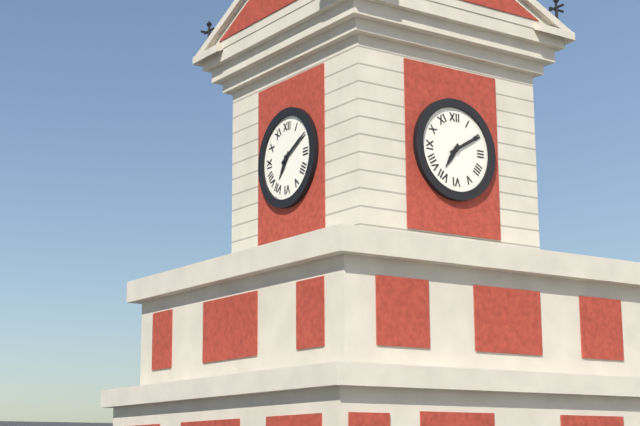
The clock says {"hour": 7, "minute": 10}
